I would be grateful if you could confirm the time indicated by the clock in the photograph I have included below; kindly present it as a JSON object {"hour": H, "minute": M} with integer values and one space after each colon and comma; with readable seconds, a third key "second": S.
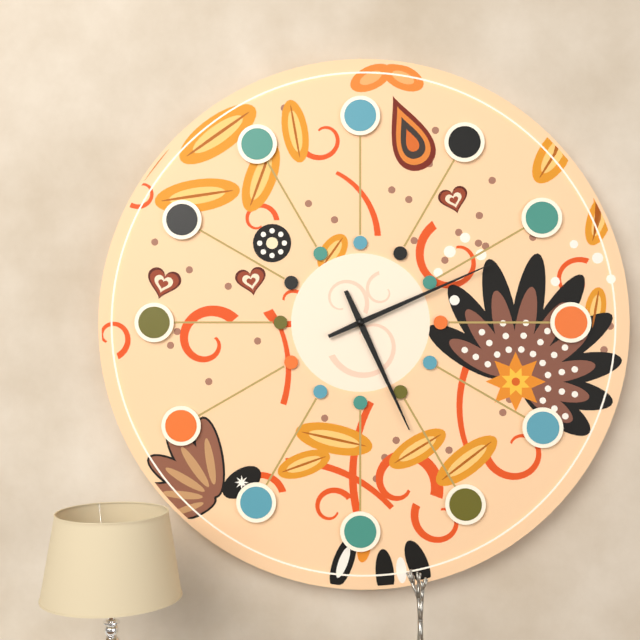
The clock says {"hour": 5, "minute": 11}
